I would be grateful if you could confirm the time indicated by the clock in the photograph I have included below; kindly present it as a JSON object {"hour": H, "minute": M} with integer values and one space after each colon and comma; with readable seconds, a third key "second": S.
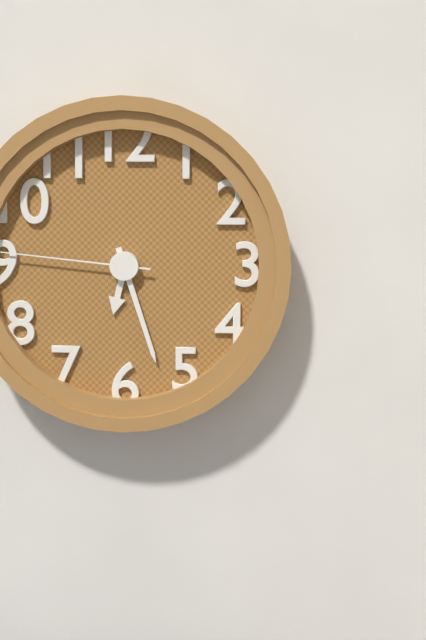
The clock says {"hour": 6, "minute": 27, "second": 46}
